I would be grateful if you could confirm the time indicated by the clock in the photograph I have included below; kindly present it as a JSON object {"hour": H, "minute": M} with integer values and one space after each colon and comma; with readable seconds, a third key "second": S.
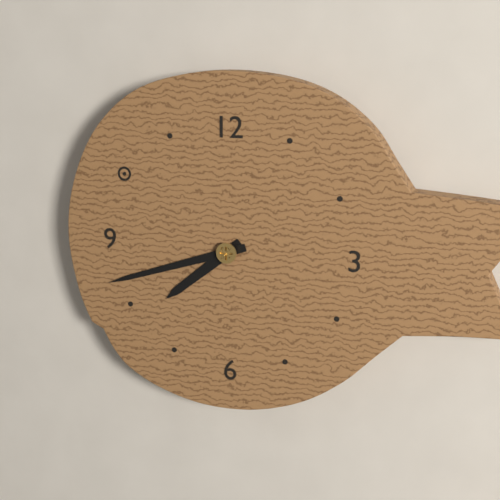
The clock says {"hour": 7, "minute": 42}
